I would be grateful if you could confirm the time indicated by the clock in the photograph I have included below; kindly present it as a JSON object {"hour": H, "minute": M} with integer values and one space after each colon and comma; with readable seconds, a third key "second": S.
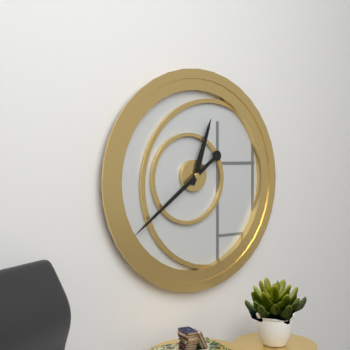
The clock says {"hour": 12, "minute": 39}
